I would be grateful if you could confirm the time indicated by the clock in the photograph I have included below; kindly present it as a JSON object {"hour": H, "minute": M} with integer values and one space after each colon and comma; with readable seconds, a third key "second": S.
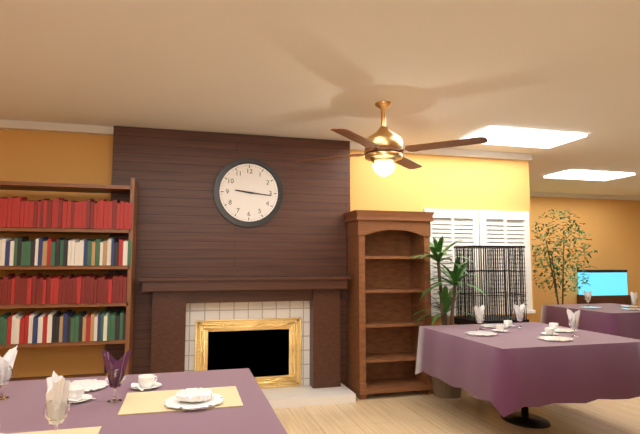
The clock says {"hour": 9, "minute": 16}
